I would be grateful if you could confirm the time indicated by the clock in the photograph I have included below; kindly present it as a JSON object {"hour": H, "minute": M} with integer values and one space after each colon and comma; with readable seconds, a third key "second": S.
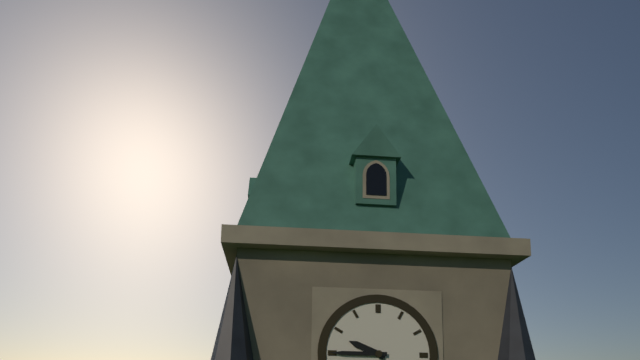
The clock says {"hour": 9, "minute": 45}
